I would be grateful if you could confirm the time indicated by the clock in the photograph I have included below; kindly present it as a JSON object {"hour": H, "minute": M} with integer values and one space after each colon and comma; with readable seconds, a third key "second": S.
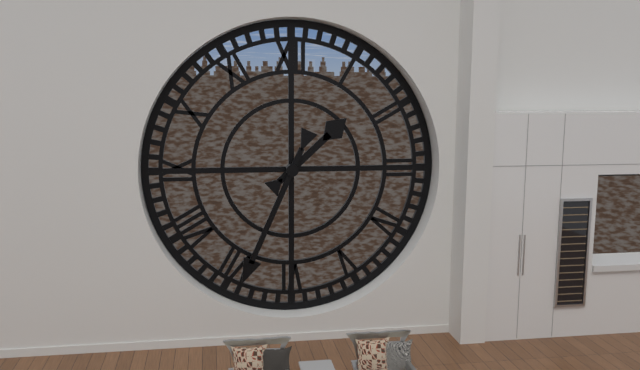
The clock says {"hour": 1, "minute": 34}
